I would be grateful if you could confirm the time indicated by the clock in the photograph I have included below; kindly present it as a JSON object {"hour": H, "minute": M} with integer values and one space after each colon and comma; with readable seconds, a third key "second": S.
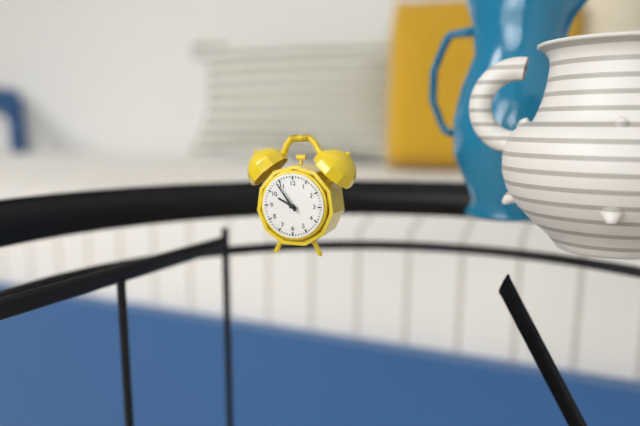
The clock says {"hour": 9, "minute": 54}
